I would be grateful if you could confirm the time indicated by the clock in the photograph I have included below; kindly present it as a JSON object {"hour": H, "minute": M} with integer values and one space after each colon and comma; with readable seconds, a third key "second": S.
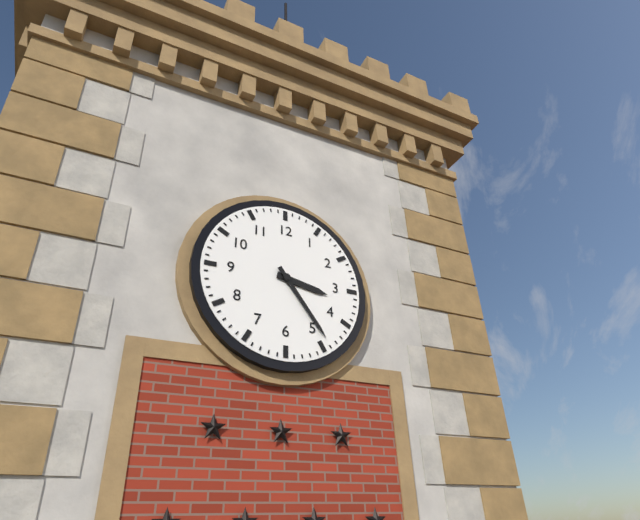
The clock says {"hour": 3, "minute": 24}
